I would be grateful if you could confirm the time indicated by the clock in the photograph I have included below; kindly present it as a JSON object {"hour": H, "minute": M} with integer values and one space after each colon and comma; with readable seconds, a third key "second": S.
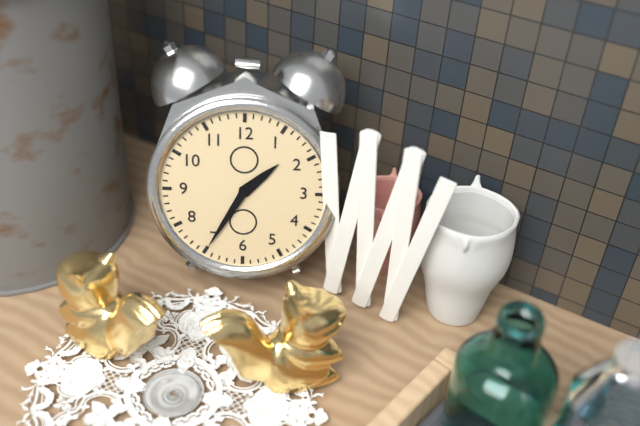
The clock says {"hour": 1, "minute": 35}
